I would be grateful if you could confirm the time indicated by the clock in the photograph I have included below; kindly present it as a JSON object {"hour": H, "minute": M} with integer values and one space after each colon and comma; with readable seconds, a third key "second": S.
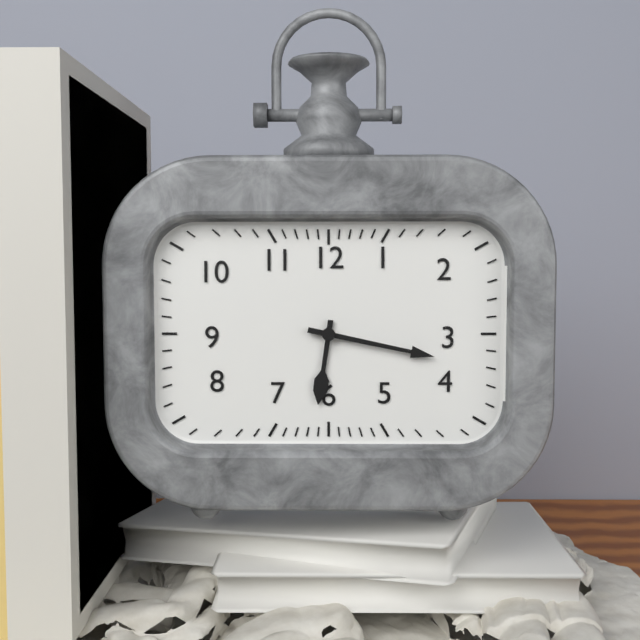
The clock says {"hour": 6, "minute": 17}
